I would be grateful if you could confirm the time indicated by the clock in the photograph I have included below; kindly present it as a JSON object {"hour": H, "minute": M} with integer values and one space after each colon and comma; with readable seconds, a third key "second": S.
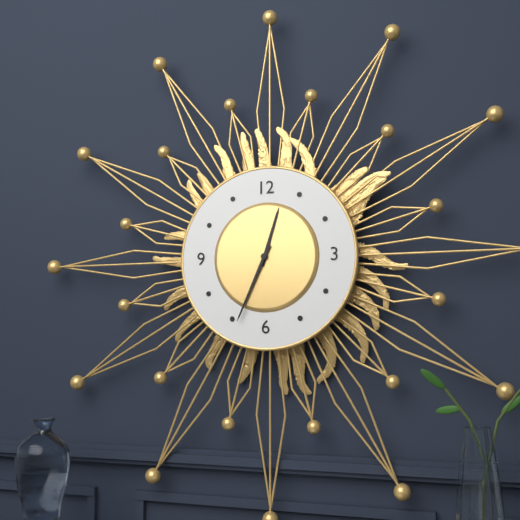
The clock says {"hour": 12, "minute": 34}
